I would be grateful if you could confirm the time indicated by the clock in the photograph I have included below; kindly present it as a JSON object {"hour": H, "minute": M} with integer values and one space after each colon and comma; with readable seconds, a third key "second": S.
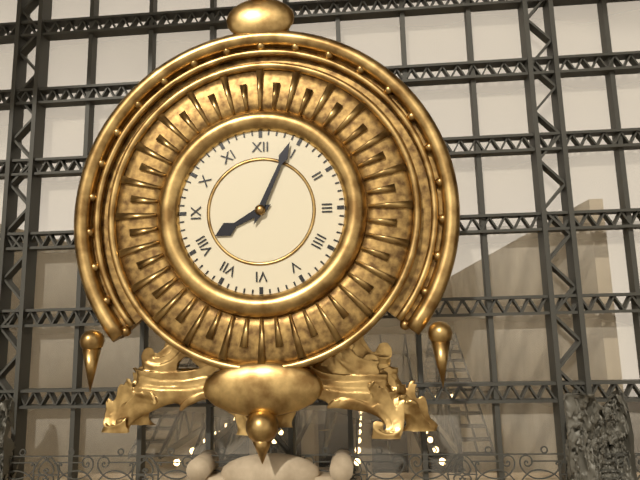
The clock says {"hour": 8, "minute": 4}
